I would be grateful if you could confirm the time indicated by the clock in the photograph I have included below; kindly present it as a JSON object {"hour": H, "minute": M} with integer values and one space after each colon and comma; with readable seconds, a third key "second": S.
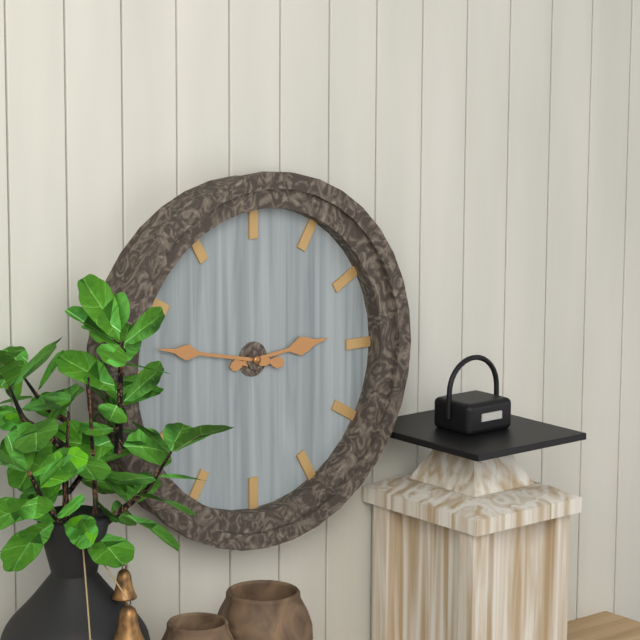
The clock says {"hour": 2, "minute": 47}
